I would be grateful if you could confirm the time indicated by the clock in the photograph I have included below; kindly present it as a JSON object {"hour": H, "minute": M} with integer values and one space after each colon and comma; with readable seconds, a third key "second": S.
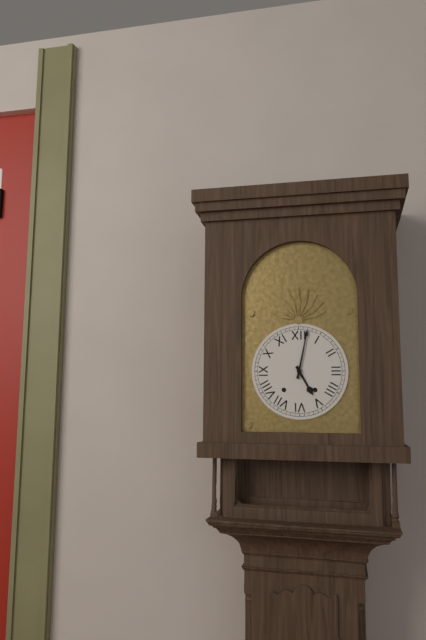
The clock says {"hour": 5, "minute": 2}
